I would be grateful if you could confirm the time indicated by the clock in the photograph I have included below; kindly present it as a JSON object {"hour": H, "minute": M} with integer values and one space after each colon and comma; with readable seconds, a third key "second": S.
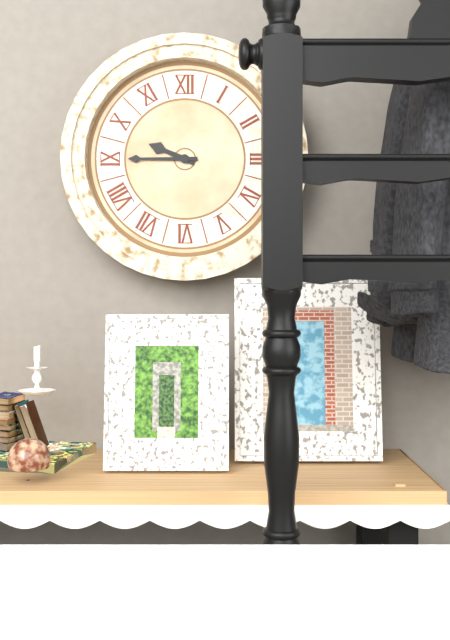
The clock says {"hour": 9, "minute": 45}
